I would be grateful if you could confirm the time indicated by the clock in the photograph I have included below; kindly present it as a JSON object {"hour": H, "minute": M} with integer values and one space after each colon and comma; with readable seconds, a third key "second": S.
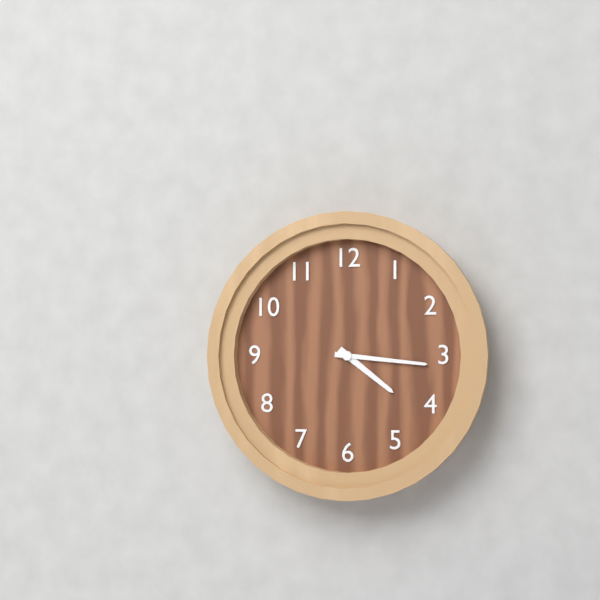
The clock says {"hour": 4, "minute": 16}
